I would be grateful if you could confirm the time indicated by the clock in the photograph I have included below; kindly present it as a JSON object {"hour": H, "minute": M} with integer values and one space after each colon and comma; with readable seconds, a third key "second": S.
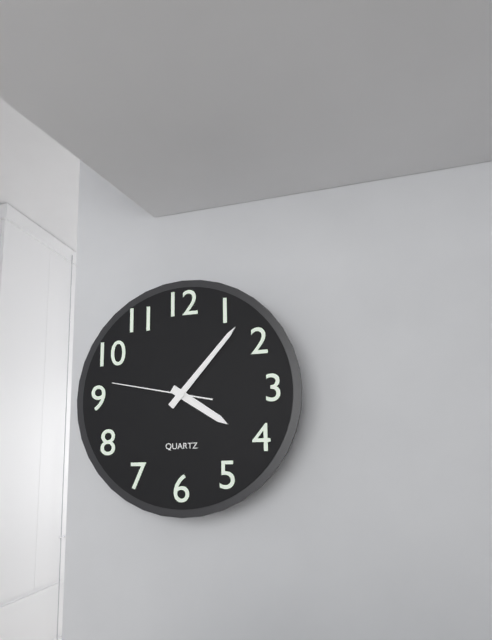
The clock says {"hour": 4, "minute": 7, "second": 47}
